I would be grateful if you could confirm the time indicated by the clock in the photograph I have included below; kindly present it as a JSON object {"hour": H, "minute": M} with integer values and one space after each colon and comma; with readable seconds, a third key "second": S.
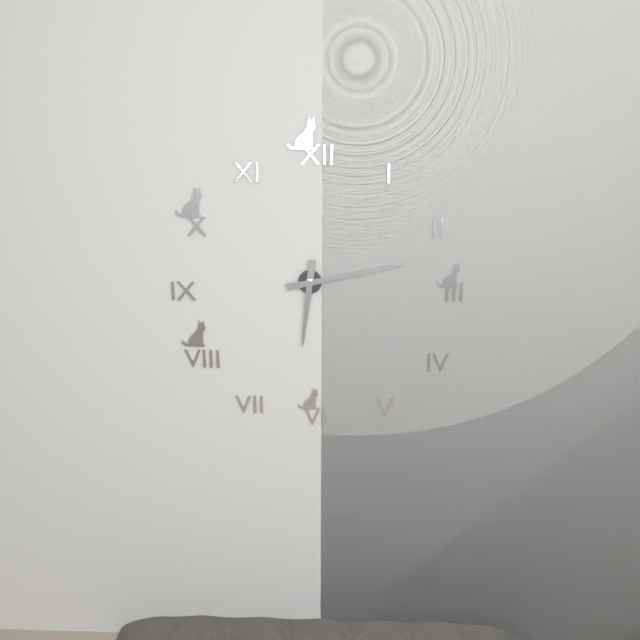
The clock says {"hour": 6, "minute": 13}
